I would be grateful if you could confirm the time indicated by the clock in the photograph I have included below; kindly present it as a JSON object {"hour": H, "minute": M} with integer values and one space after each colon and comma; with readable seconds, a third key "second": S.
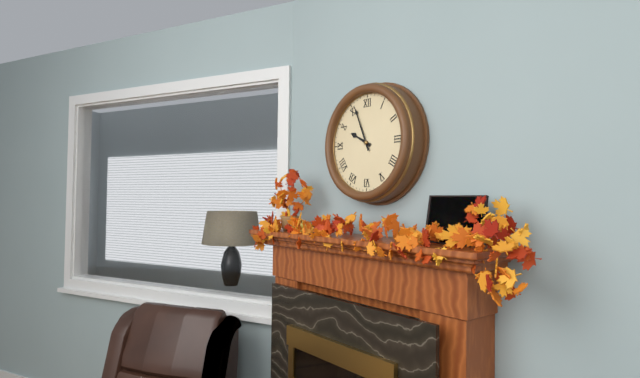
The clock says {"hour": 9, "minute": 56}
